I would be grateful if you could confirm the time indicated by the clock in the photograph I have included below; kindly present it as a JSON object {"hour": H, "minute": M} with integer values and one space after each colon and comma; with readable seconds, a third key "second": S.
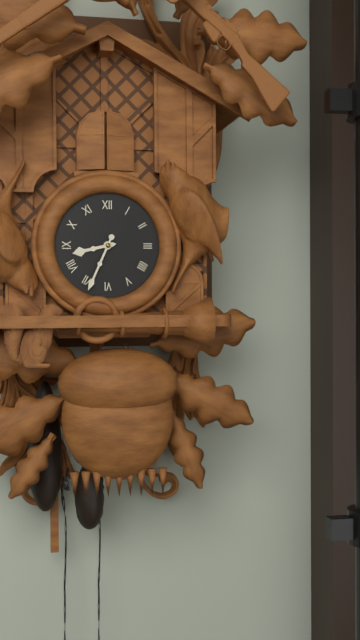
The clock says {"hour": 8, "minute": 34}
